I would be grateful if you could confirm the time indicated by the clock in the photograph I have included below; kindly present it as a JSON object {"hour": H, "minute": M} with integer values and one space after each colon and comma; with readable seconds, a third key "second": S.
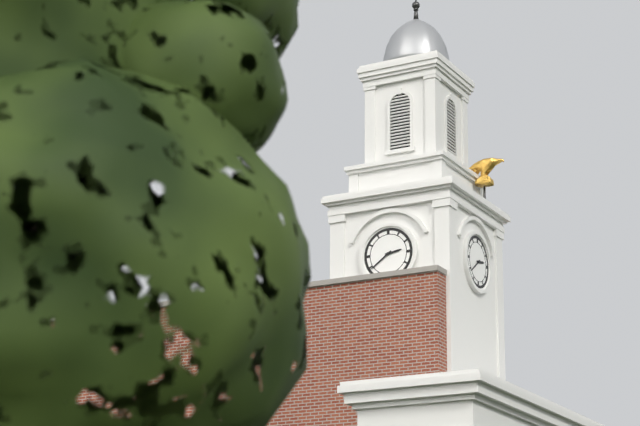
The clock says {"hour": 2, "minute": 39}
